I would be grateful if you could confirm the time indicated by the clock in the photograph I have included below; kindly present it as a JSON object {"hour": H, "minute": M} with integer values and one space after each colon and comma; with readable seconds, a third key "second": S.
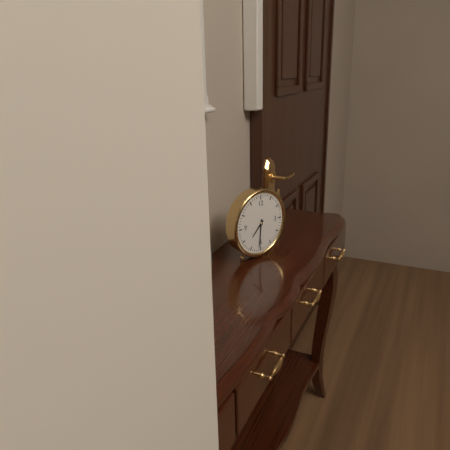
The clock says {"hour": 7, "minute": 31}
